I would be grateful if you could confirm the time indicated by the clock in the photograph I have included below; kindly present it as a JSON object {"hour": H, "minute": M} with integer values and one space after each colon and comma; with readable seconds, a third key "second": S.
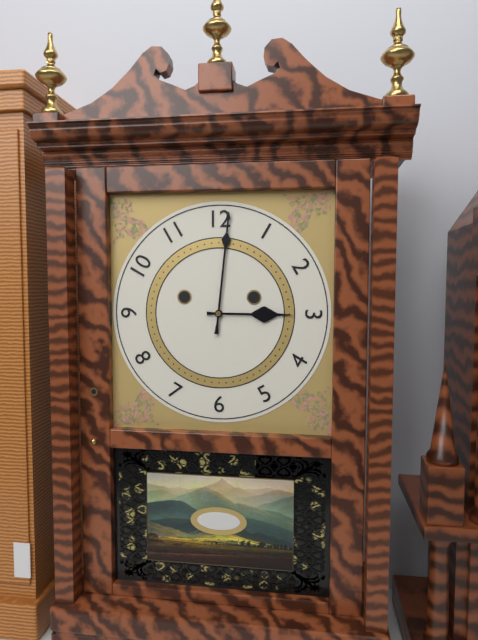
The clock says {"hour": 3, "minute": 1}
